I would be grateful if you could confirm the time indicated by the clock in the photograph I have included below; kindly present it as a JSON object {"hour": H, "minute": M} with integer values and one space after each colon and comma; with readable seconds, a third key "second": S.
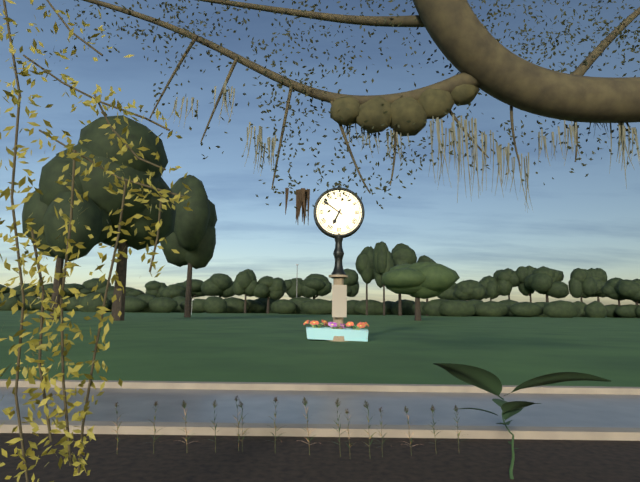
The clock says {"hour": 6, "minute": 51}
